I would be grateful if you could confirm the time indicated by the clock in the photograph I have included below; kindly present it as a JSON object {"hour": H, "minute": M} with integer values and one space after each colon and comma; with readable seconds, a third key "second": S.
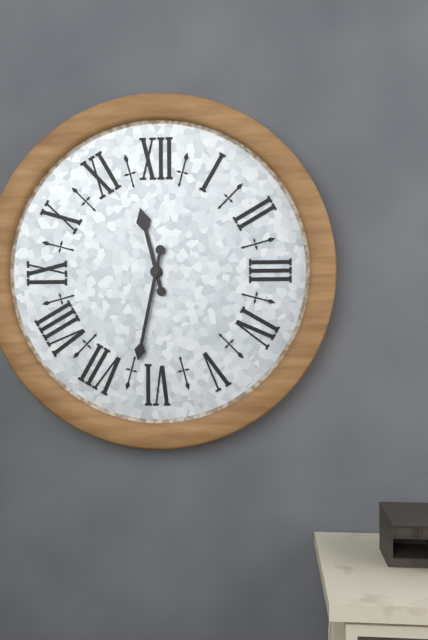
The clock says {"hour": 11, "minute": 32}
